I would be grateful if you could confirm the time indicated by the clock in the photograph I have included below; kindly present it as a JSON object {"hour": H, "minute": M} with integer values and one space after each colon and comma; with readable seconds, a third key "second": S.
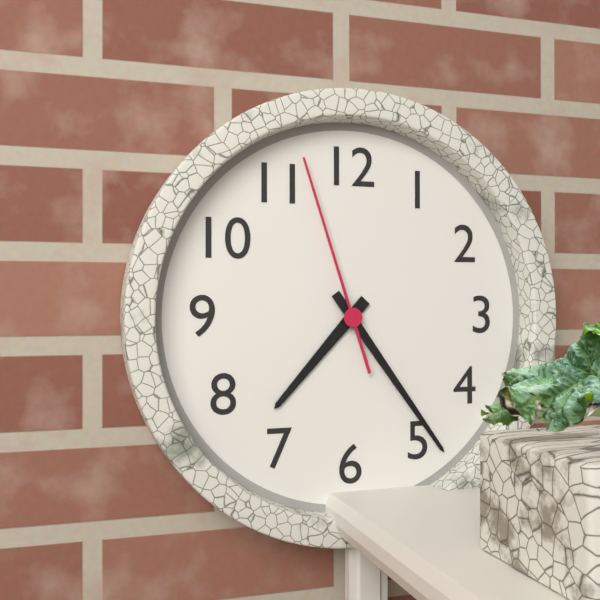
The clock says {"hour": 7, "minute": 24, "second": 57}
